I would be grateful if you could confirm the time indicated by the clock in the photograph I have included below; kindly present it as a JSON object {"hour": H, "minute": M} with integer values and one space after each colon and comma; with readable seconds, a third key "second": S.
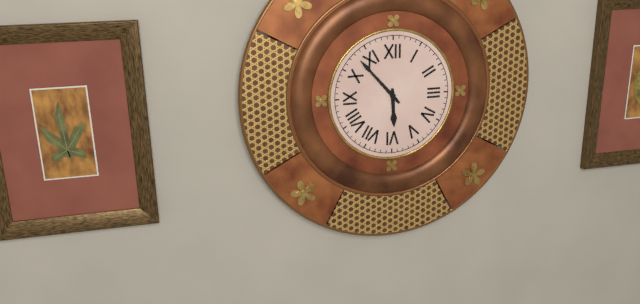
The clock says {"hour": 5, "minute": 53}
